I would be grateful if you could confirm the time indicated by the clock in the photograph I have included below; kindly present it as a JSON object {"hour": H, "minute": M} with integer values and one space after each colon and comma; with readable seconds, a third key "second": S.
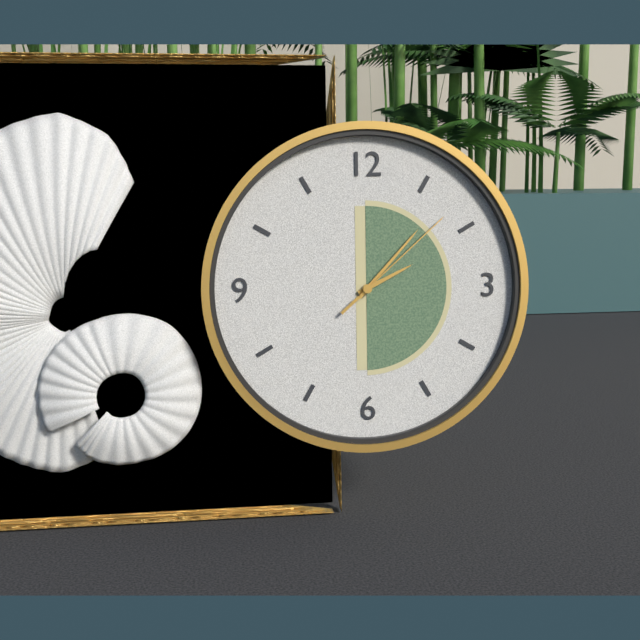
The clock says {"hour": 2, "minute": 7, "second": 8}
